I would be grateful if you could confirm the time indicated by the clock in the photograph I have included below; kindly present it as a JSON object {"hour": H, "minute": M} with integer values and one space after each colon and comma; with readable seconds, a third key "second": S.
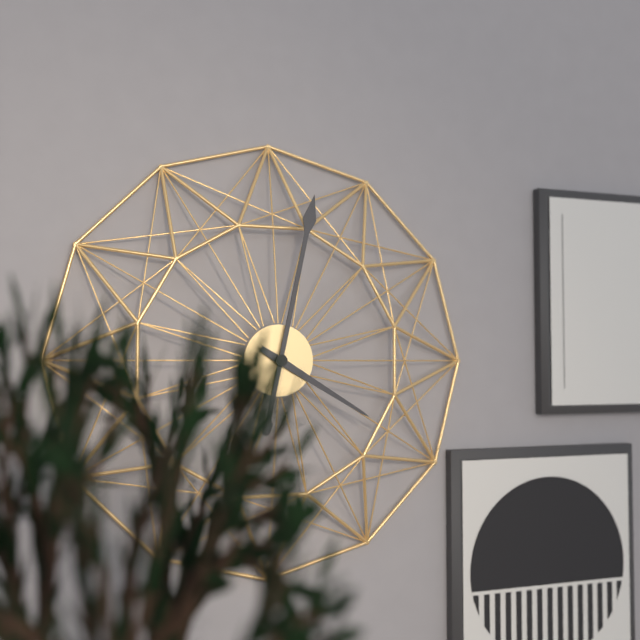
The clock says {"hour": 4, "minute": 2}
